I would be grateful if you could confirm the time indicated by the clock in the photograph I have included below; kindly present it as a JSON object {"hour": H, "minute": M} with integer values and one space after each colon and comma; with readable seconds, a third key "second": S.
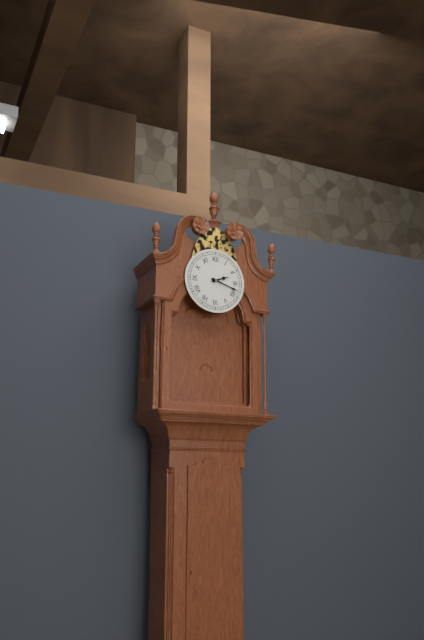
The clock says {"hour": 2, "minute": 18}
